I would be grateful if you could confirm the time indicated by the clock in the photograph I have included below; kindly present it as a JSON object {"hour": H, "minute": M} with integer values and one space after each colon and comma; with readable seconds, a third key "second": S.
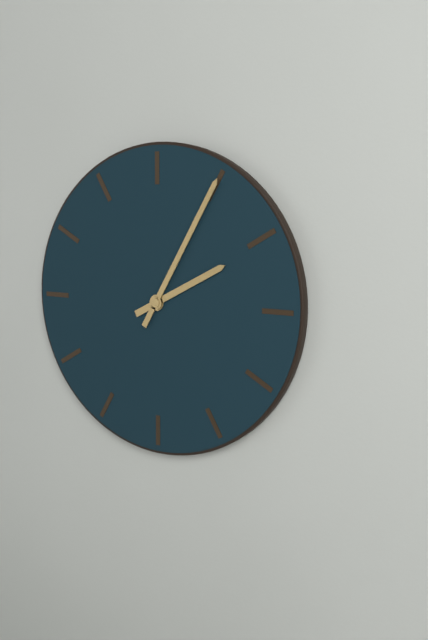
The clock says {"hour": 2, "minute": 5}
